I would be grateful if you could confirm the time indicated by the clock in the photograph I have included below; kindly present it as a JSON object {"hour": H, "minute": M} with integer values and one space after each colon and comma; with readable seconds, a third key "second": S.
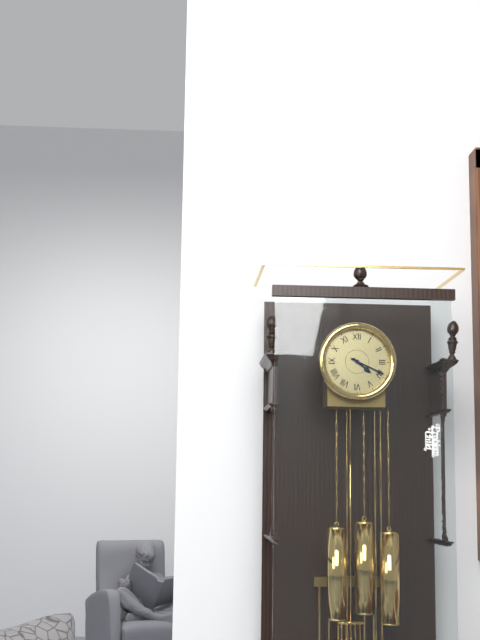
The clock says {"hour": 4, "minute": 19}
